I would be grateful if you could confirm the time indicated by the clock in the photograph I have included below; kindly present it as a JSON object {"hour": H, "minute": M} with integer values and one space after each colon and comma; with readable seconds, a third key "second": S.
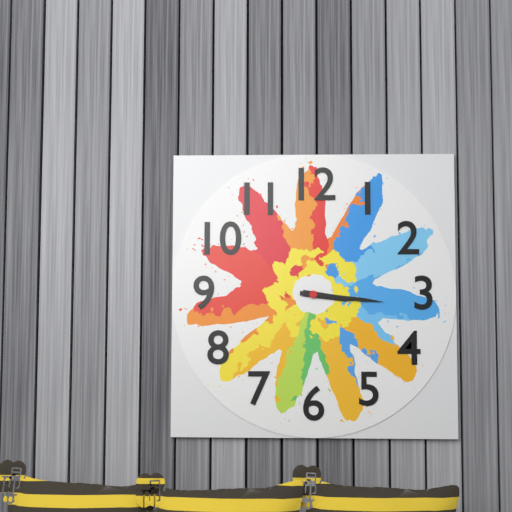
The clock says {"hour": 3, "minute": 16}
